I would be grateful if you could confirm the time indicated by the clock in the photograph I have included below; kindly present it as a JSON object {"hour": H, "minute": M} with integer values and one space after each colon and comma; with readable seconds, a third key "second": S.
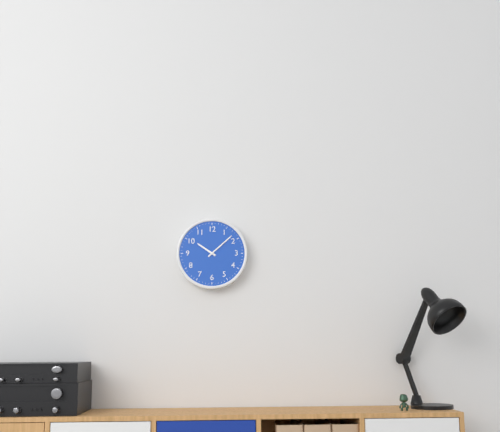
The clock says {"hour": 10, "minute": 8}
